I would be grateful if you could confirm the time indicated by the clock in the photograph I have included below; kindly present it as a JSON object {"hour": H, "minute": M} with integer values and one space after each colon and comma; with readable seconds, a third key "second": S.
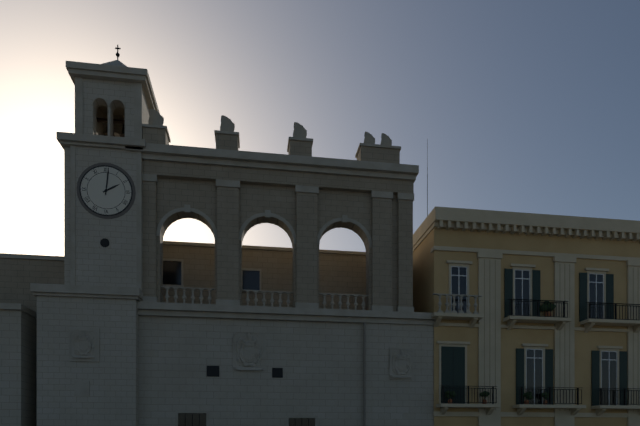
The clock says {"hour": 2, "minute": 1}
